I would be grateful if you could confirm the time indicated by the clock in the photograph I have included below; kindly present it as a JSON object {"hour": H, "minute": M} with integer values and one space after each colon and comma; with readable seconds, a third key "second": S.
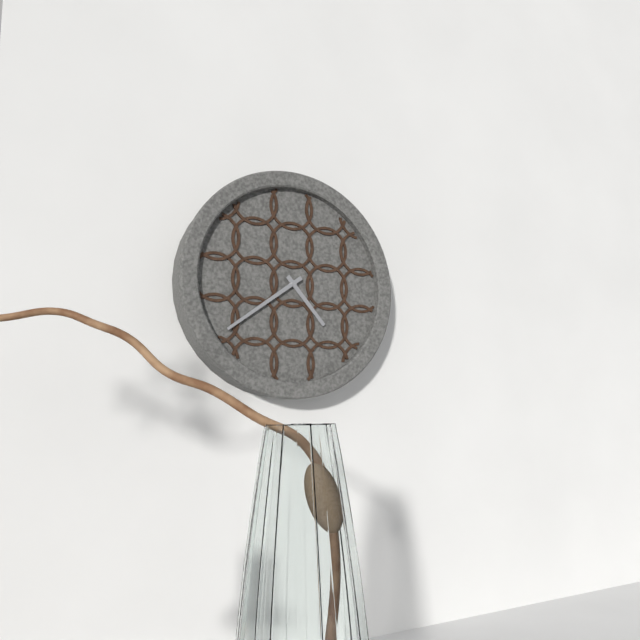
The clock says {"hour": 4, "minute": 39}
